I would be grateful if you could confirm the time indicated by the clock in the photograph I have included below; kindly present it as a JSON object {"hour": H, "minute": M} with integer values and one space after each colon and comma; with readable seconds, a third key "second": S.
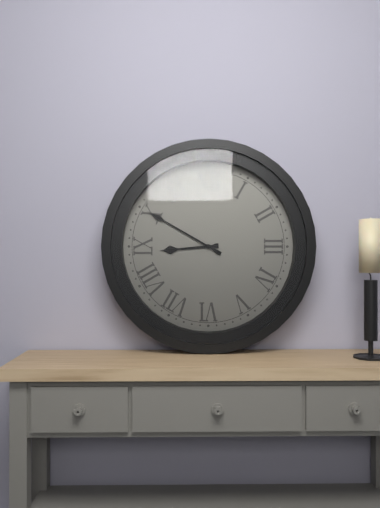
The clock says {"hour": 8, "minute": 50}
